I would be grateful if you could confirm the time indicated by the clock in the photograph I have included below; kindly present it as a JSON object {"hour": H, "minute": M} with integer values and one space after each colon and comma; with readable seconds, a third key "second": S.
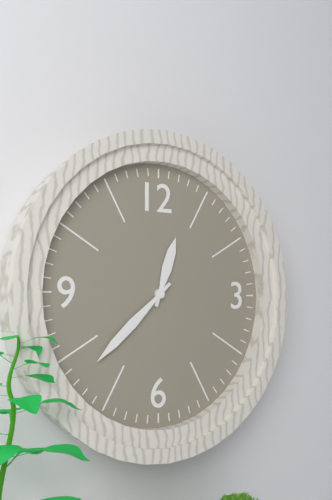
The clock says {"hour": 12, "minute": 38}
